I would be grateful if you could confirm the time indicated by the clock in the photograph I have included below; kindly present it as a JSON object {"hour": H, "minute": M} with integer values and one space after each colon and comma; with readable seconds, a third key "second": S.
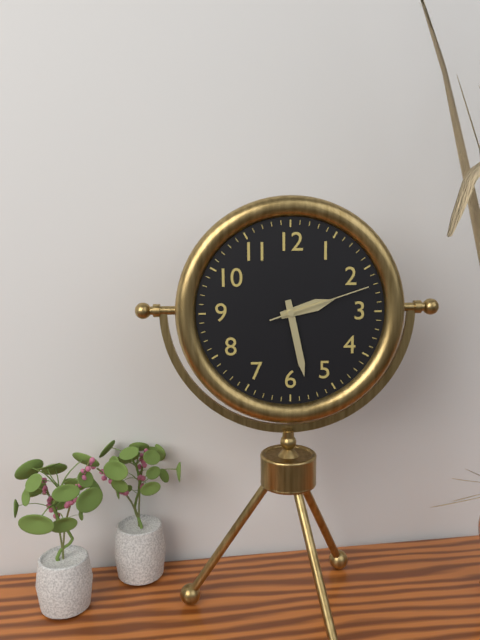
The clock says {"hour": 2, "minute": 28, "second": 12}
